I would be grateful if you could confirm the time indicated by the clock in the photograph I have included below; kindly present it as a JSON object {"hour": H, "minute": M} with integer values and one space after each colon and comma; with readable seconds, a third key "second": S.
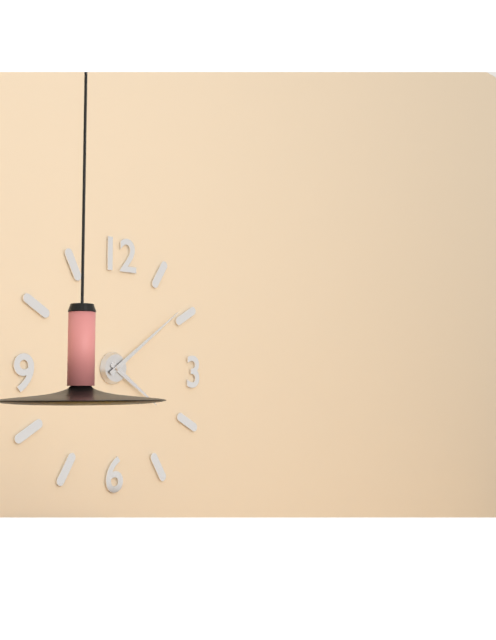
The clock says {"hour": 4, "minute": 9}
